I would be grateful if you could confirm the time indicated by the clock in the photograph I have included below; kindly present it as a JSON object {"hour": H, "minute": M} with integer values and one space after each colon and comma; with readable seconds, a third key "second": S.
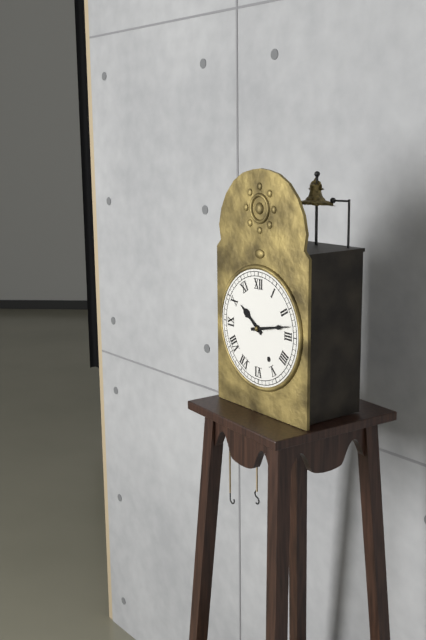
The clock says {"hour": 10, "minute": 13}
